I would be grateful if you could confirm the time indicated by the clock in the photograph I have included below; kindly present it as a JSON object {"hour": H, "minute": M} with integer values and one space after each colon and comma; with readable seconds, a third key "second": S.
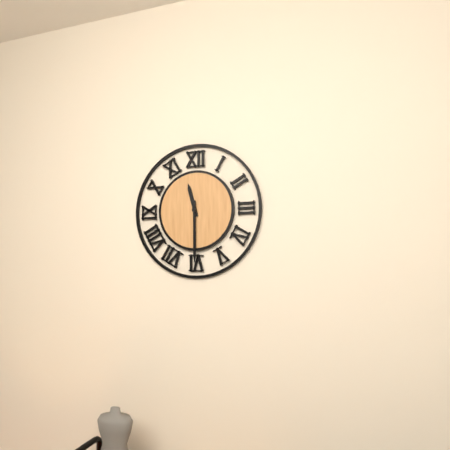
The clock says {"hour": 11, "minute": 30}
